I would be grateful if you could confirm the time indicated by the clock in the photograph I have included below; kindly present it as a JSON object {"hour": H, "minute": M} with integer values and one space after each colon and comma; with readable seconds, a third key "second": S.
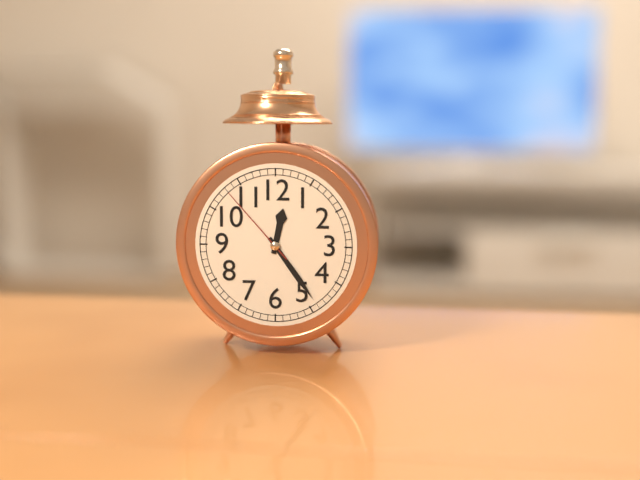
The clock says {"hour": 12, "minute": 24, "second": 53}
